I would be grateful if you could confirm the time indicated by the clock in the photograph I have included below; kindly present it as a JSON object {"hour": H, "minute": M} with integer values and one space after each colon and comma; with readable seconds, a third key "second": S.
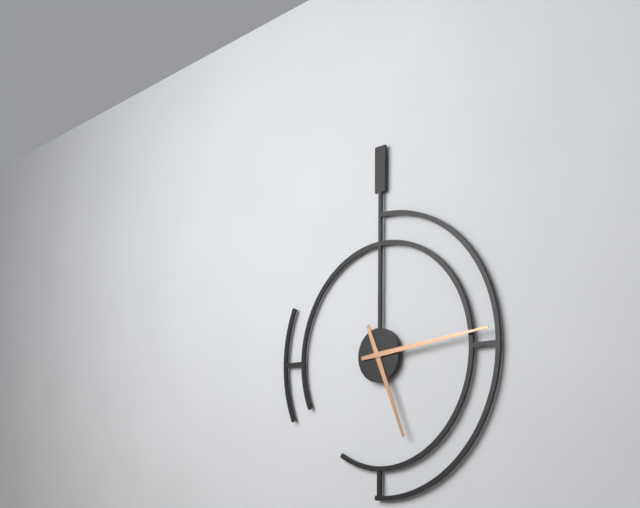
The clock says {"hour": 5, "minute": 14}
